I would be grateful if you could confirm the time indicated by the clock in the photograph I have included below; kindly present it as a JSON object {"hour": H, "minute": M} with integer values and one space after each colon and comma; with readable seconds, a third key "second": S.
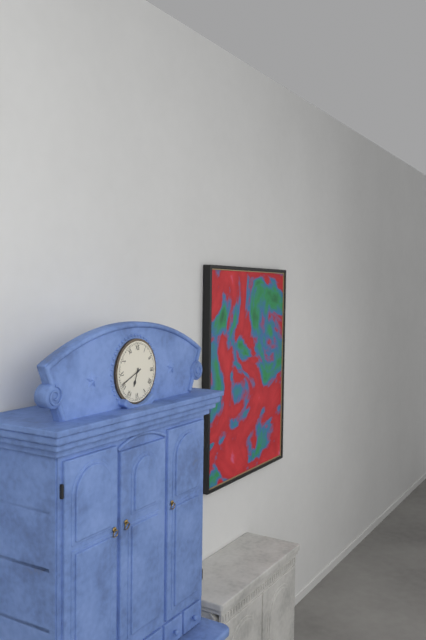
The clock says {"hour": 6, "minute": 41}
